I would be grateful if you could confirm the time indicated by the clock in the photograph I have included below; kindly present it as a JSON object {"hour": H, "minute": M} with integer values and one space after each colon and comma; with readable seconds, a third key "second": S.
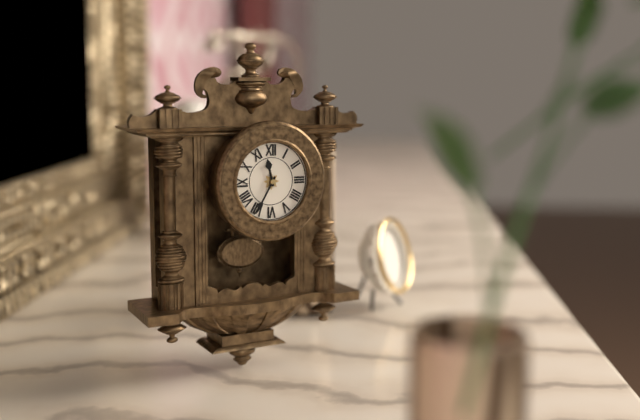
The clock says {"hour": 11, "minute": 35}
